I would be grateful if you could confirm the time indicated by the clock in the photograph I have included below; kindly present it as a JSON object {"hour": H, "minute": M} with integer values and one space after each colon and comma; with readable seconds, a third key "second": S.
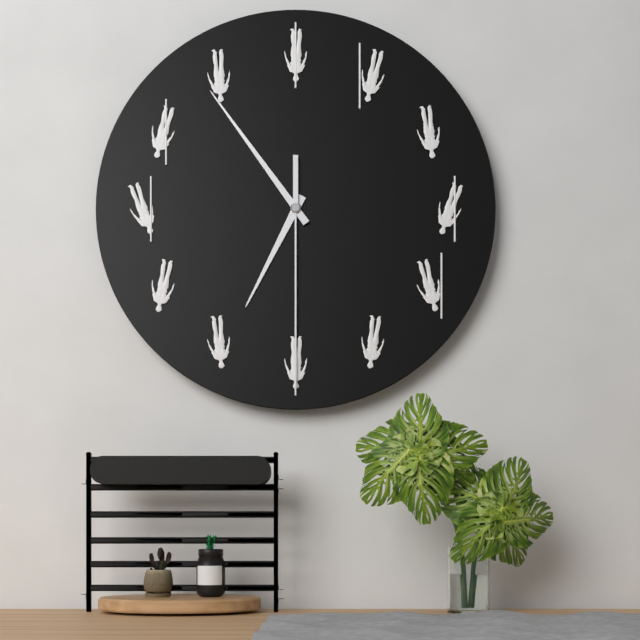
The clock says {"hour": 6, "minute": 54, "second": 30}
